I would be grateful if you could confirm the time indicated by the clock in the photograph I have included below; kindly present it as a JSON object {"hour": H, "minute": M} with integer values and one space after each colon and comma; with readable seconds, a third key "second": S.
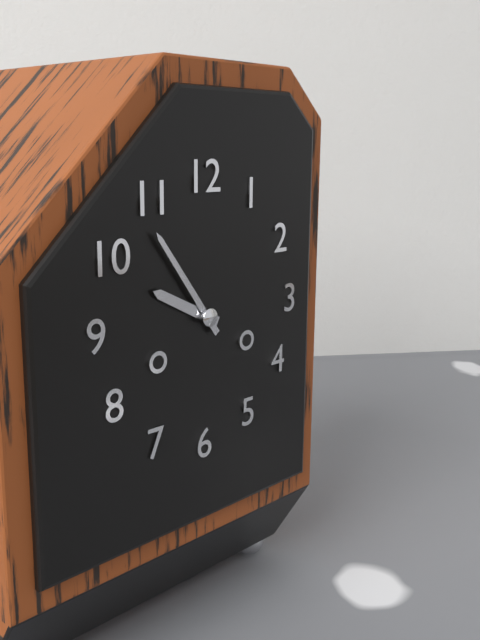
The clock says {"hour": 9, "minute": 54}
